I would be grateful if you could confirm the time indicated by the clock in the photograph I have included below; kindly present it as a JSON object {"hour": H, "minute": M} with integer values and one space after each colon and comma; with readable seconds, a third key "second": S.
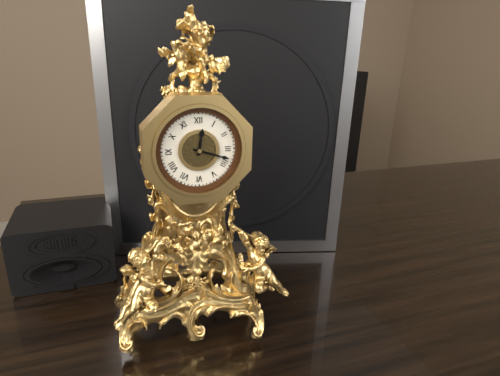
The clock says {"hour": 12, "minute": 18}
